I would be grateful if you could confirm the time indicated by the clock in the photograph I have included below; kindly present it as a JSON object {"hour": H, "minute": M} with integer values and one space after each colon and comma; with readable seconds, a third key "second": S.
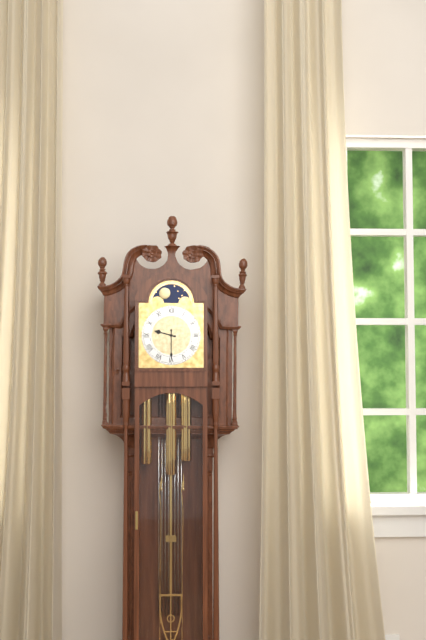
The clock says {"hour": 9, "minute": 30}
